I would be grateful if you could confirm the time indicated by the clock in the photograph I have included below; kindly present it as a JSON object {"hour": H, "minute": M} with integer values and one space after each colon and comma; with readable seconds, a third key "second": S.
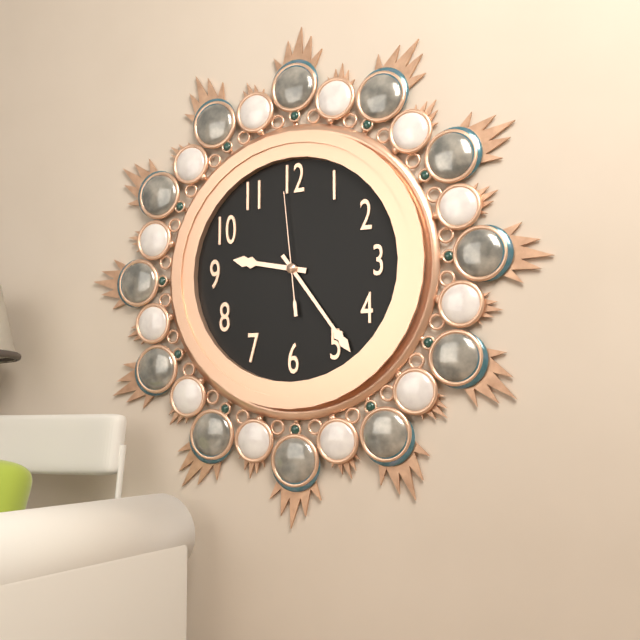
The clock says {"hour": 9, "minute": 24, "second": 59}
